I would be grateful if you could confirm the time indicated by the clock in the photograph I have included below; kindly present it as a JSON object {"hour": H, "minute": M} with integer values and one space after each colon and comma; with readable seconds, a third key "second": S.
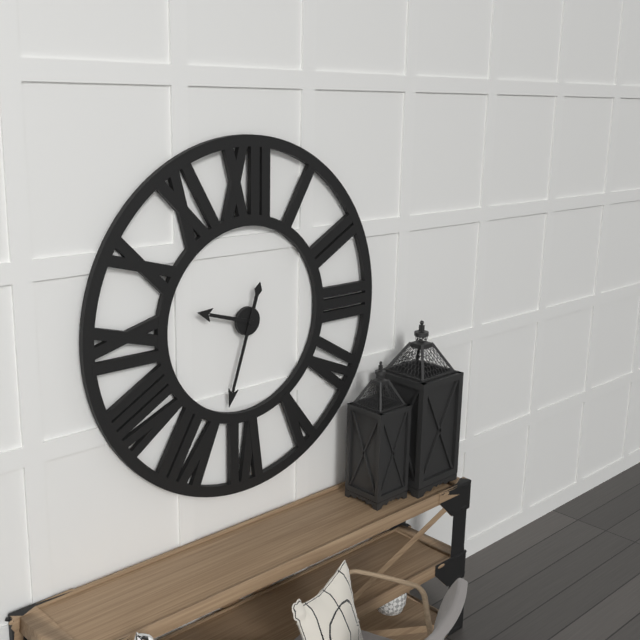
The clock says {"hour": 9, "minute": 33}
